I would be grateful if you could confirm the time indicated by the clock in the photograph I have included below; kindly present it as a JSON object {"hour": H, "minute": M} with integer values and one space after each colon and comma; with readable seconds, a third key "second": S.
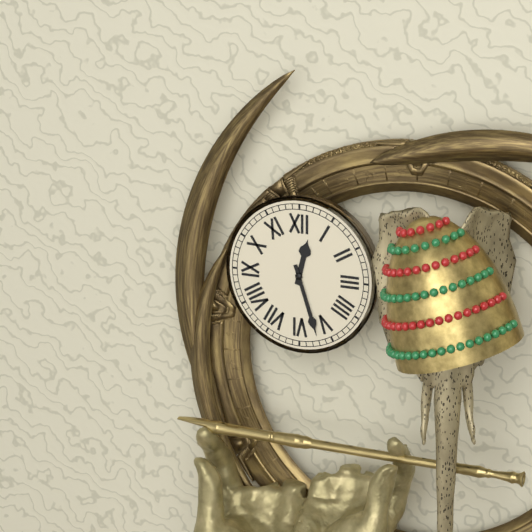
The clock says {"hour": 12, "minute": 27}
